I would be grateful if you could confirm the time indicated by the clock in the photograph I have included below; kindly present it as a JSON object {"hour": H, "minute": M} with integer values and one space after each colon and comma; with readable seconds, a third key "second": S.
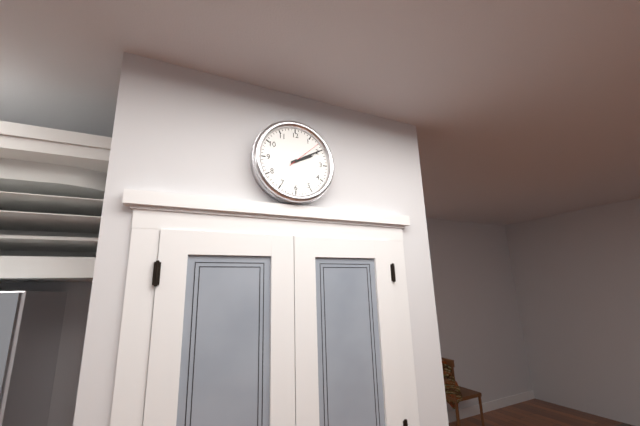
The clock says {"hour": 2, "minute": 10}
